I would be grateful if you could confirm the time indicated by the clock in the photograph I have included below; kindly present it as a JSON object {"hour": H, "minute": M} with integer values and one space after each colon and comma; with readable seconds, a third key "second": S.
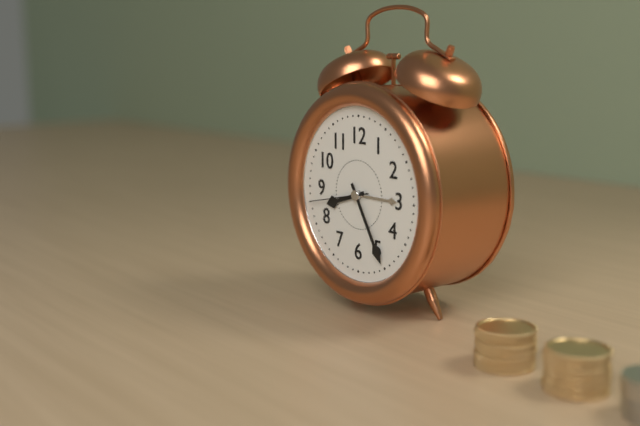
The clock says {"hour": 8, "minute": 25, "second": 43}
